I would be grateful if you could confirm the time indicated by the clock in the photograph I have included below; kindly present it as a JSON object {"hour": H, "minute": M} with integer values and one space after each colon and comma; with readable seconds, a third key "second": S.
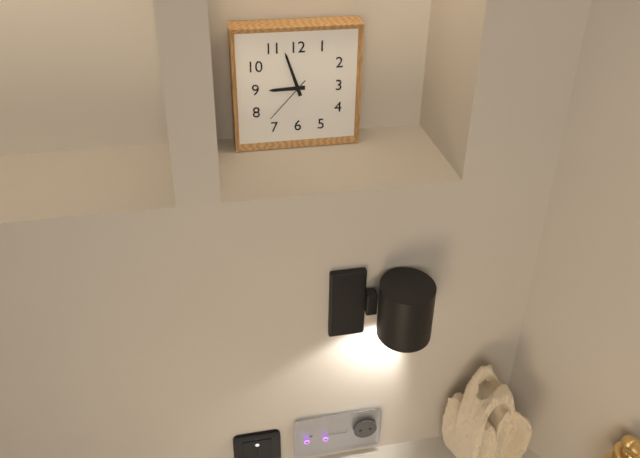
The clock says {"hour": 8, "minute": 57, "second": 37}
